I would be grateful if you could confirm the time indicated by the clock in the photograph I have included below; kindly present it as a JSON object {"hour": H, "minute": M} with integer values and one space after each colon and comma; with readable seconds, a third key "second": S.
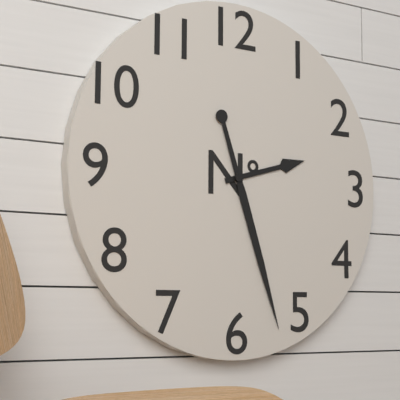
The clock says {"hour": 2, "minute": 27}
